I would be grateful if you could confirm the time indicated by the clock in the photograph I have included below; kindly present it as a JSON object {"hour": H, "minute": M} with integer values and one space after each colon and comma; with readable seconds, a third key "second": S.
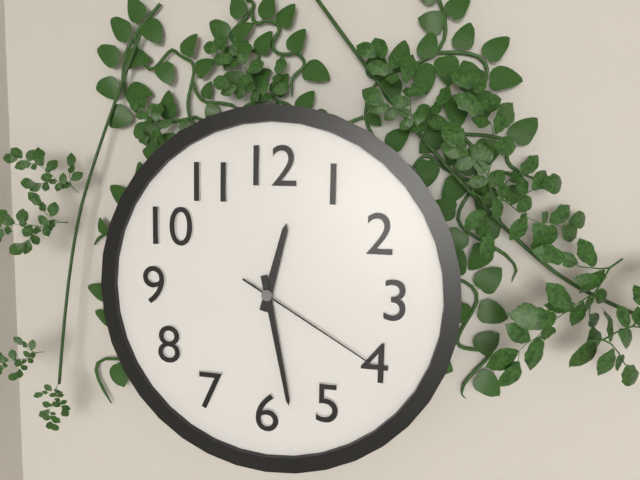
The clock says {"hour": 12, "minute": 28, "second": 20}
